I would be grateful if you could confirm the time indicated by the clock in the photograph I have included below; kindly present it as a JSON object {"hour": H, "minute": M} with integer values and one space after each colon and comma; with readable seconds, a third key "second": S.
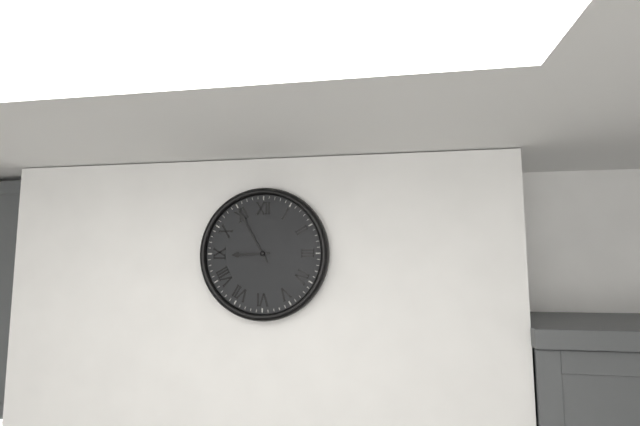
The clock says {"hour": 8, "minute": 55}
